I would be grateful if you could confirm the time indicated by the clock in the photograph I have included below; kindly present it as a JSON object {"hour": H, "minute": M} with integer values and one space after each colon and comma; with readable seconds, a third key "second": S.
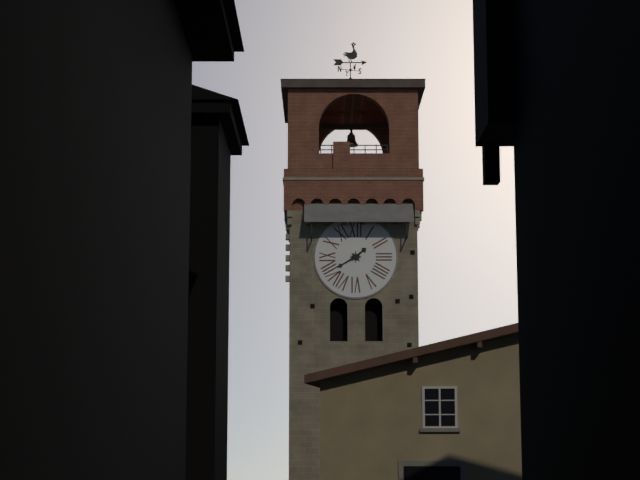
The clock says {"hour": 1, "minute": 40}
